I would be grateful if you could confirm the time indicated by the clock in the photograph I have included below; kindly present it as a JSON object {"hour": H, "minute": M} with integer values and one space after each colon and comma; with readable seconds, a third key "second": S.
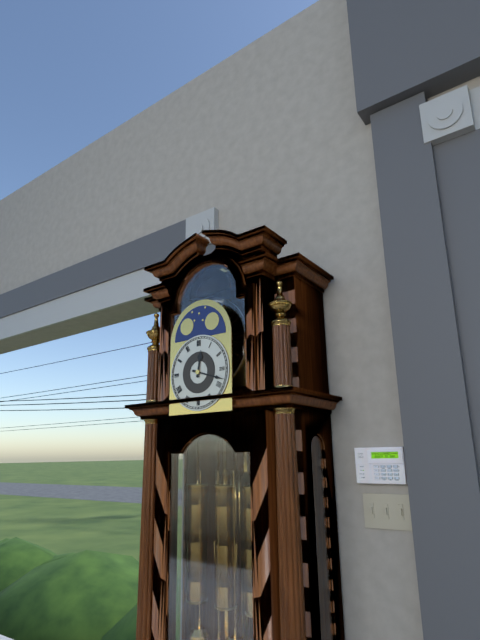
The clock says {"hour": 12, "minute": 18}
